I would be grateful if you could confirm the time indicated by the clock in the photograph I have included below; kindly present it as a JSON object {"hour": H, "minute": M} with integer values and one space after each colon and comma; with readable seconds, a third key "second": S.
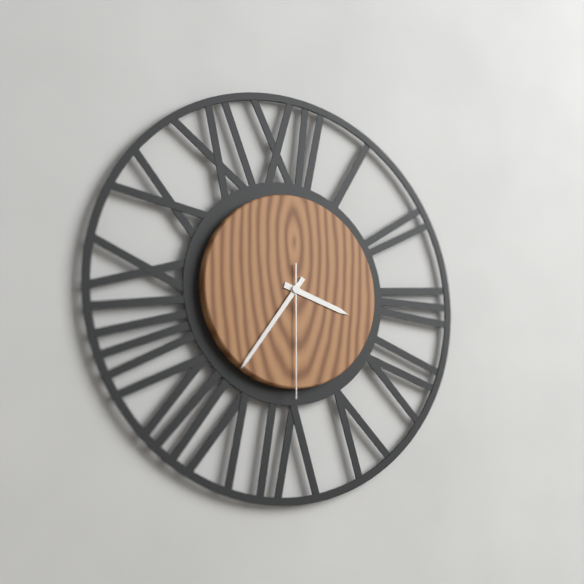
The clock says {"hour": 3, "minute": 36, "second": 30}
